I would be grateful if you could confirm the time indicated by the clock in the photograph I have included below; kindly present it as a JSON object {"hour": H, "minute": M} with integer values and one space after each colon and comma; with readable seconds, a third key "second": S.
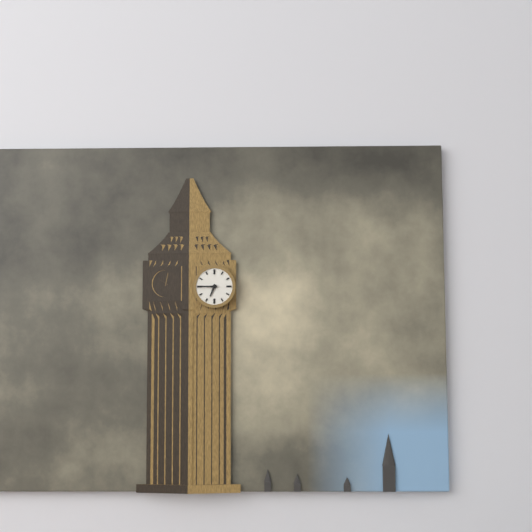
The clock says {"hour": 6, "minute": 45}
